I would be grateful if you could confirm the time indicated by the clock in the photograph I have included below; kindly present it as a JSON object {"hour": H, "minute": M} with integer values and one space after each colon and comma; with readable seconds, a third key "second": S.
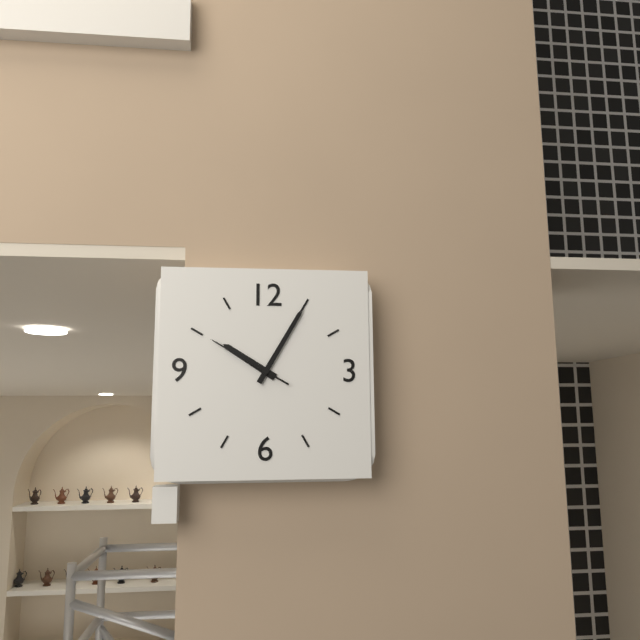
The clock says {"hour": 10, "minute": 5, "second": 50}
